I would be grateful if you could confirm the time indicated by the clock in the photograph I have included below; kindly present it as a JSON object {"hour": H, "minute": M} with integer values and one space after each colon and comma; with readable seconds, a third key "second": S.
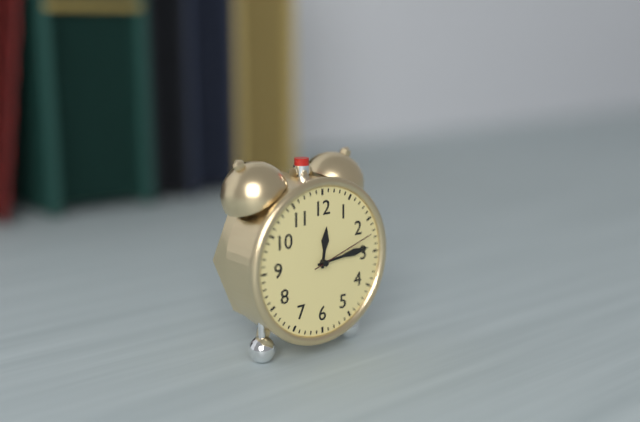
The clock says {"hour": 12, "minute": 14, "second": 12}
